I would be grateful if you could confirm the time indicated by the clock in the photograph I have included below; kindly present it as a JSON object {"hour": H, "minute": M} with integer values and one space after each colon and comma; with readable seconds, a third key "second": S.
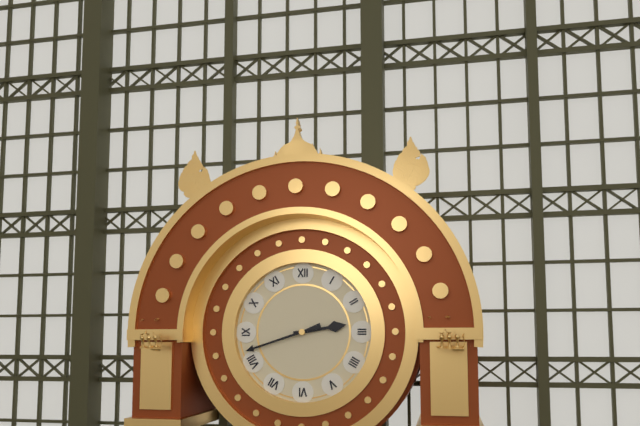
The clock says {"hour": 2, "minute": 42}
